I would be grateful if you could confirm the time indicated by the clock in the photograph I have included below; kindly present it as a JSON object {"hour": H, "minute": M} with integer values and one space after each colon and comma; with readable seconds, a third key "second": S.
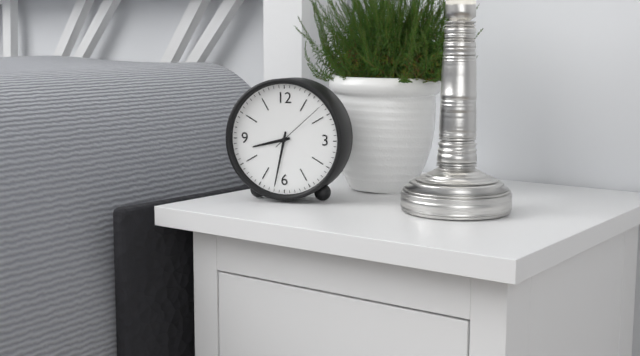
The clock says {"hour": 8, "minute": 32, "second": 8}
